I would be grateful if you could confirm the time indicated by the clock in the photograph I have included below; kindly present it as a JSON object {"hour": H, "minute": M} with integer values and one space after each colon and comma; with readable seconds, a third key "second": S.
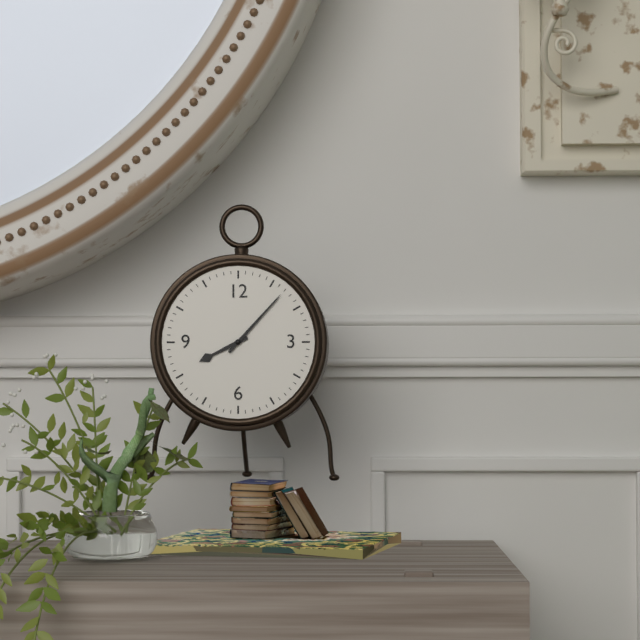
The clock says {"hour": 8, "minute": 7}
